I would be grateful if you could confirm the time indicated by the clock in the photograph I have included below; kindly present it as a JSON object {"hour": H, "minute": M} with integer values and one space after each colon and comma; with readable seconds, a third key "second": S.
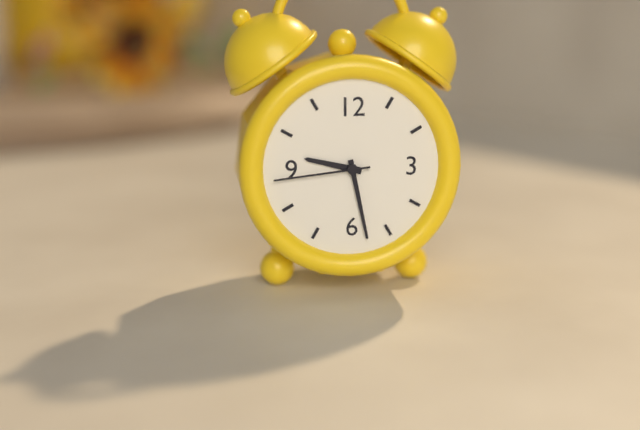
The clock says {"hour": 9, "minute": 28, "second": 44}
